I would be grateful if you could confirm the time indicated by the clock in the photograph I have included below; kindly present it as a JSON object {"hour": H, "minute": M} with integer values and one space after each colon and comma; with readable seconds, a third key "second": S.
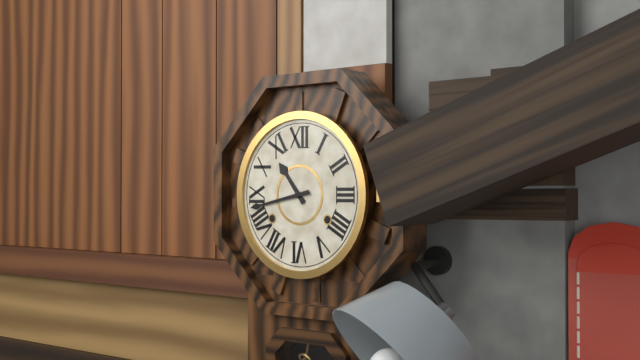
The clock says {"hour": 10, "minute": 43}
